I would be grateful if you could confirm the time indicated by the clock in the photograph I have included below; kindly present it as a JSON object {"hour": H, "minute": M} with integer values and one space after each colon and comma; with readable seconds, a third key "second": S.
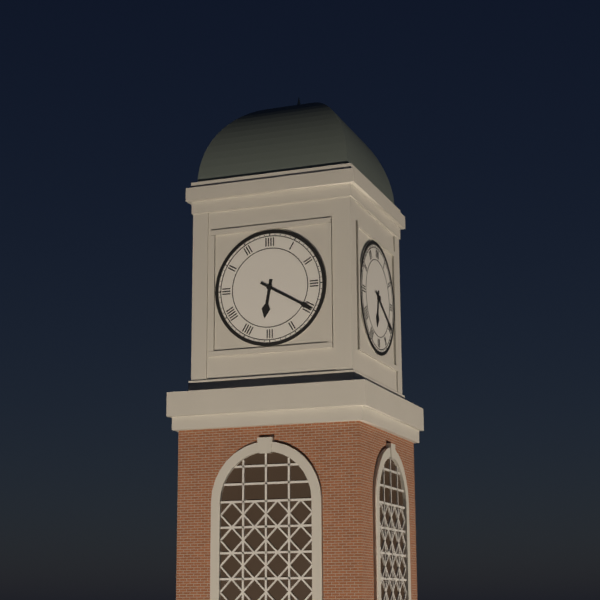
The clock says {"hour": 6, "minute": 20}
